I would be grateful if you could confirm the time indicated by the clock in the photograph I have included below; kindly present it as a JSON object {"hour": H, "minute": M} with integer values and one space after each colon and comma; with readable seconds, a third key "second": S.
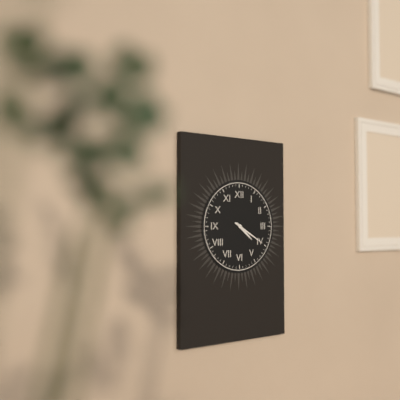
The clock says {"hour": 4, "minute": 20}
